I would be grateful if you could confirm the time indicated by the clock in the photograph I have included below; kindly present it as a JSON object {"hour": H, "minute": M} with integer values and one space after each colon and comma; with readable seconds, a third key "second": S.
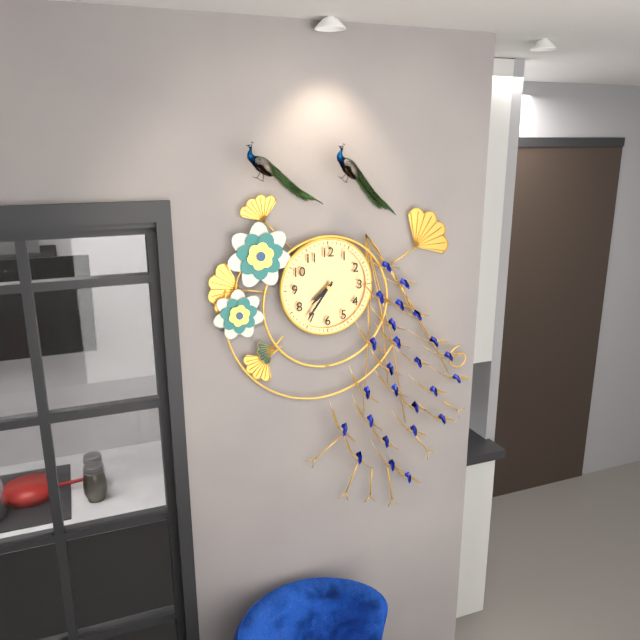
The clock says {"hour": 7, "minute": 36}
